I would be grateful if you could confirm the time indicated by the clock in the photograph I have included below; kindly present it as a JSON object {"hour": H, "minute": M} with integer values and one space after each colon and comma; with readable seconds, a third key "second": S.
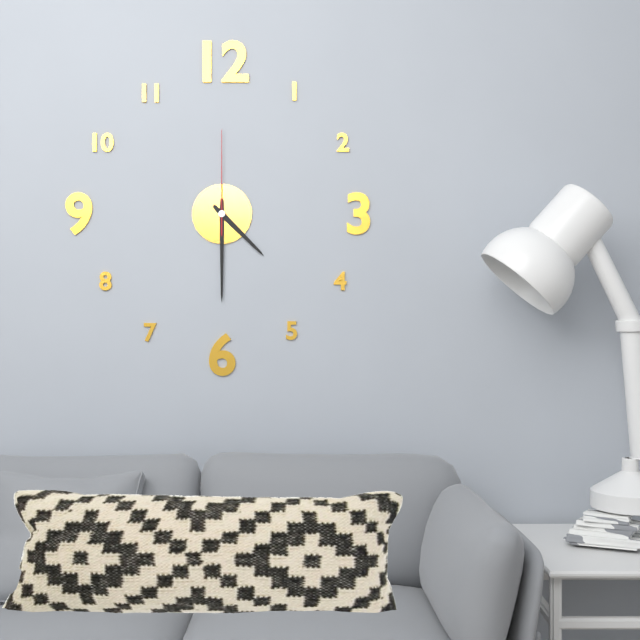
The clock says {"hour": 4, "minute": 30, "second": 0}
